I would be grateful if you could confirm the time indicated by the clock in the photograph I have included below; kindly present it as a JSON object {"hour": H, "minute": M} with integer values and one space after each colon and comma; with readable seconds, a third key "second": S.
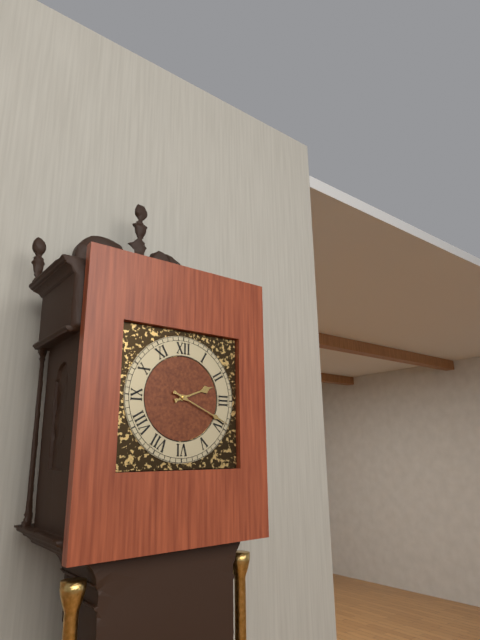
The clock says {"hour": 2, "minute": 19}
